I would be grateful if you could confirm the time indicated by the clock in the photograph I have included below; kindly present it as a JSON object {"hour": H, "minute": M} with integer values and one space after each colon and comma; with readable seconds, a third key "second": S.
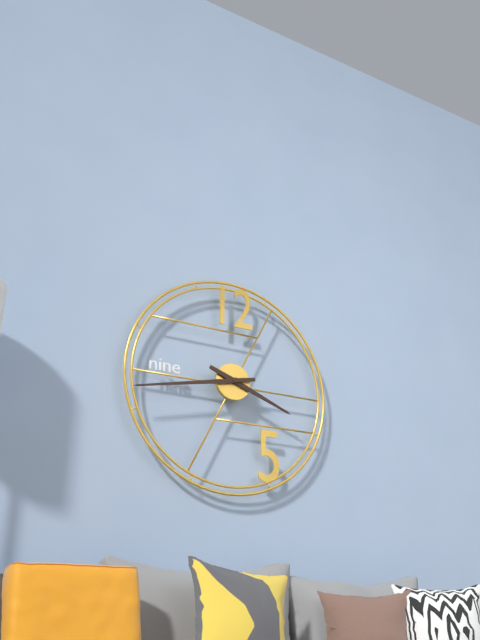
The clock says {"hour": 3, "minute": 43}
